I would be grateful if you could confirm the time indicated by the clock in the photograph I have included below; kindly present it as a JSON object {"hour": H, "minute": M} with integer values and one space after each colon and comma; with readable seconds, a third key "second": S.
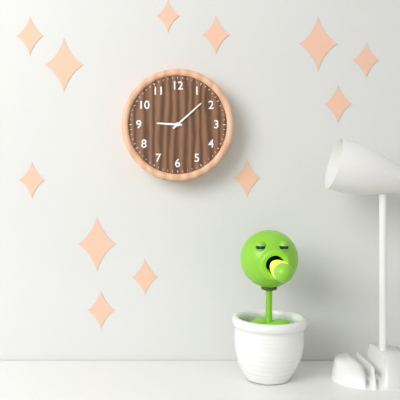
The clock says {"hour": 9, "minute": 8}
